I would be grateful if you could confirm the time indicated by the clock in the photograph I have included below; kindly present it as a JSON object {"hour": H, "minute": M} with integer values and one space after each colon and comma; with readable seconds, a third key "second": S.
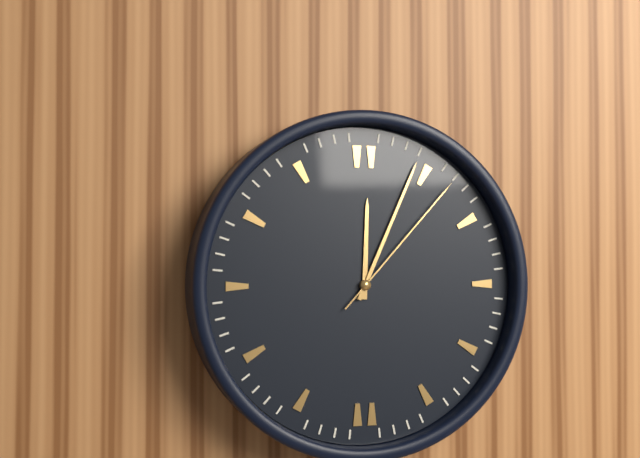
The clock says {"hour": 12, "minute": 4, "second": 7}
